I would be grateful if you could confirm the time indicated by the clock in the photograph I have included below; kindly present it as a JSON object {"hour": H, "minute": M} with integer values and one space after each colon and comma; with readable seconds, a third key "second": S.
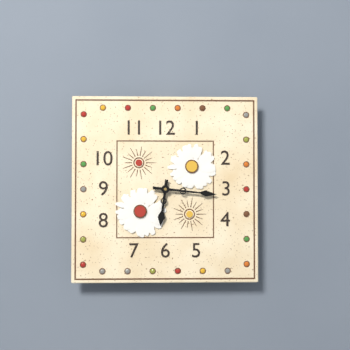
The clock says {"hour": 6, "minute": 16}
